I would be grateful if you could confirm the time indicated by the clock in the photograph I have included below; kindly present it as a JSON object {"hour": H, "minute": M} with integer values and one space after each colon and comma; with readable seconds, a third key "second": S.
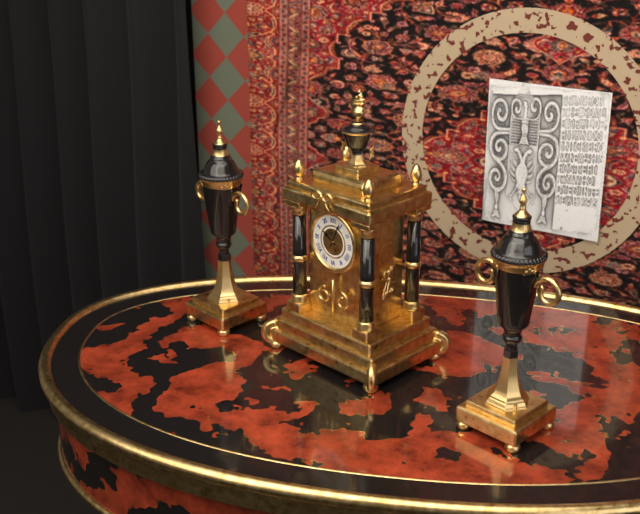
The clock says {"hour": 10, "minute": 4}
